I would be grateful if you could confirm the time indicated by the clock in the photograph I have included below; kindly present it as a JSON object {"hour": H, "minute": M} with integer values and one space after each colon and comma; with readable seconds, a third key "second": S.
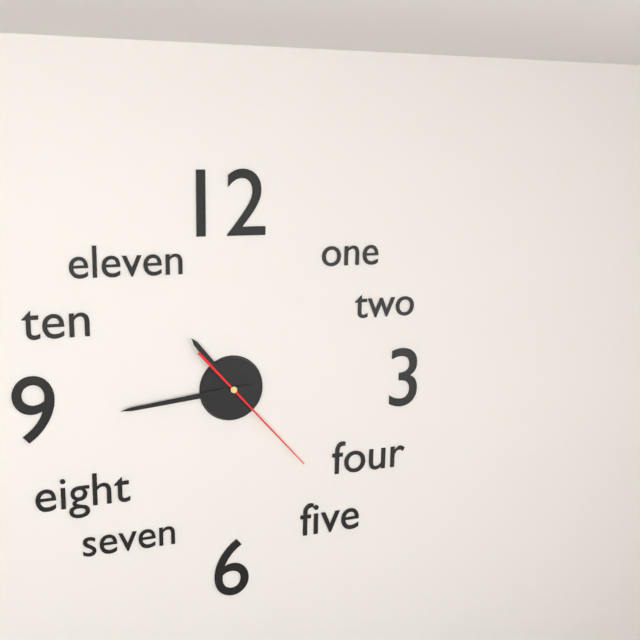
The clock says {"hour": 10, "minute": 44, "second": 23}
